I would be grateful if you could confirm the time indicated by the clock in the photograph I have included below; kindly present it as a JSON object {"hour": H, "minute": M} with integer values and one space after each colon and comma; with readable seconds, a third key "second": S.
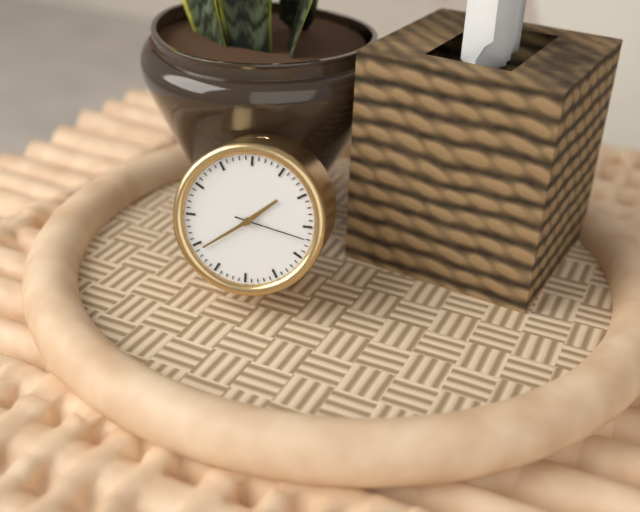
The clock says {"hour": 1, "minute": 39, "second": 17}
